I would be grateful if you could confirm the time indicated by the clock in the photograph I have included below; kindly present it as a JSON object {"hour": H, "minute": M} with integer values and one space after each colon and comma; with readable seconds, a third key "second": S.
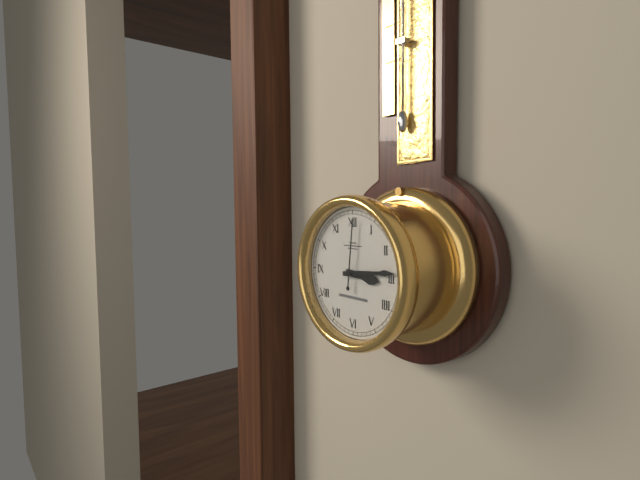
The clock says {"hour": 3, "minute": 14, "second": 1}
